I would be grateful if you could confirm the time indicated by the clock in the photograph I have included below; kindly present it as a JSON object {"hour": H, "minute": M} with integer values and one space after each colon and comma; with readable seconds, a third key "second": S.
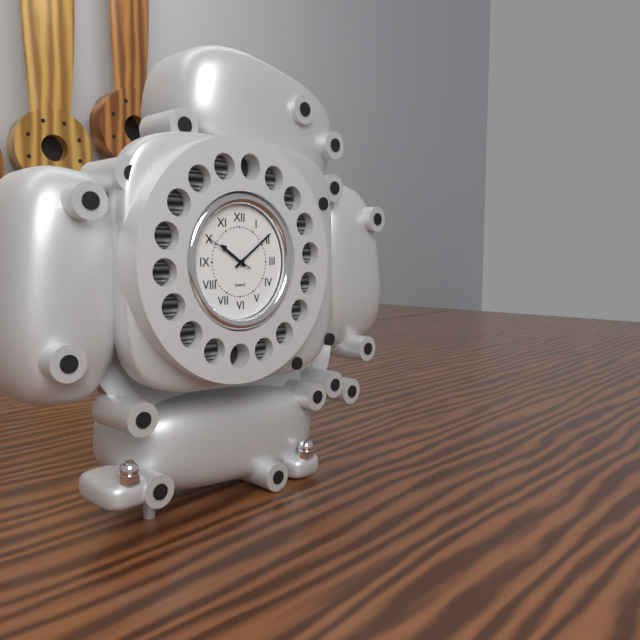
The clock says {"hour": 10, "minute": 9}
